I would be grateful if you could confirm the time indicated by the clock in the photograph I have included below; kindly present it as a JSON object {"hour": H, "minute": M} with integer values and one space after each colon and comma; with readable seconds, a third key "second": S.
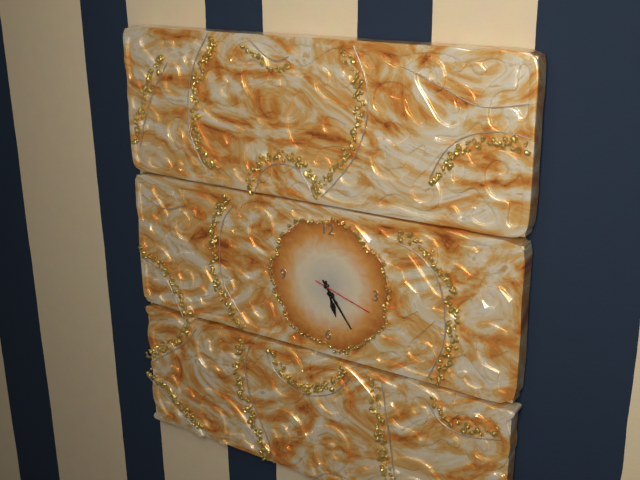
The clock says {"hour": 5, "minute": 24, "second": 18}
